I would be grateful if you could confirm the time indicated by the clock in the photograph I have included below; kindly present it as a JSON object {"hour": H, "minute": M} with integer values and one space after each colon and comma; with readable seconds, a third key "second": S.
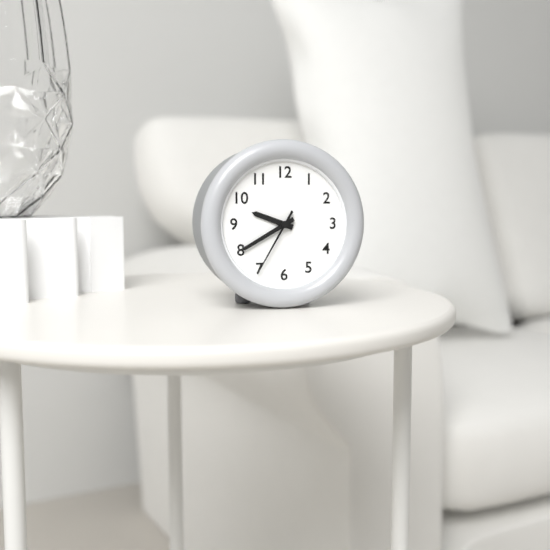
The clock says {"hour": 9, "minute": 40, "second": 35}
